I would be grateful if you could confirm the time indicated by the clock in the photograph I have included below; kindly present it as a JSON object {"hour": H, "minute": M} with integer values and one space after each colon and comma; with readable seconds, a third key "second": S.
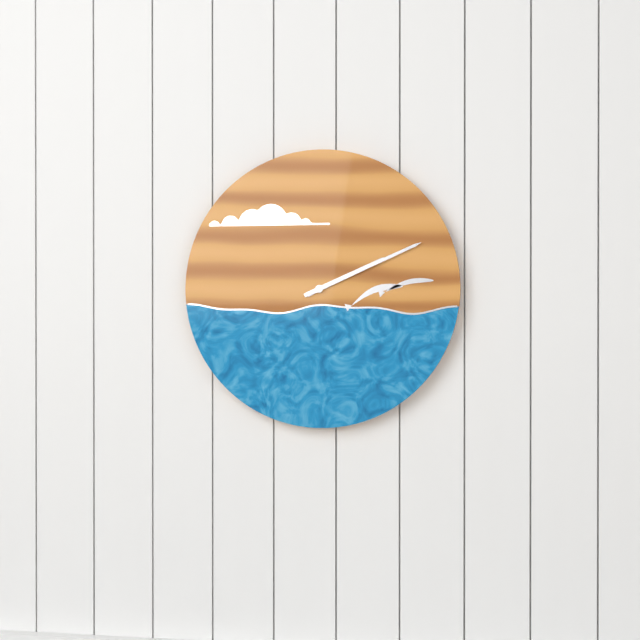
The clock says {"hour": 2, "minute": 11}
